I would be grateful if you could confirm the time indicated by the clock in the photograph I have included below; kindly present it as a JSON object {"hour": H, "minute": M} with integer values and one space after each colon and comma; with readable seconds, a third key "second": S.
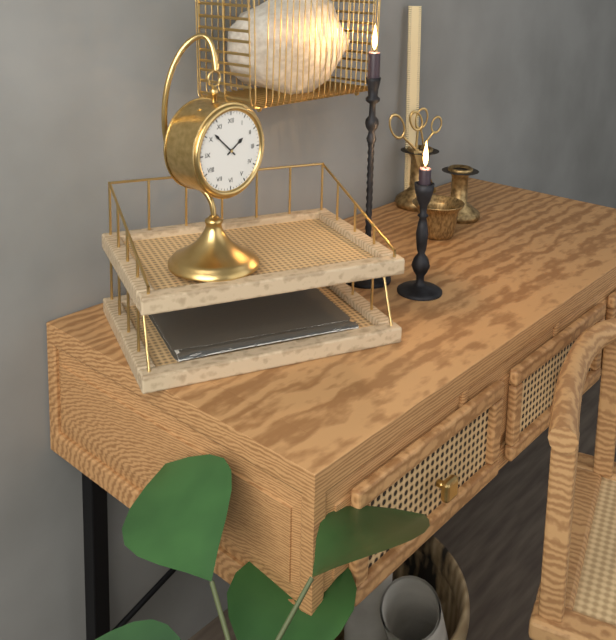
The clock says {"hour": 1, "minute": 52}
